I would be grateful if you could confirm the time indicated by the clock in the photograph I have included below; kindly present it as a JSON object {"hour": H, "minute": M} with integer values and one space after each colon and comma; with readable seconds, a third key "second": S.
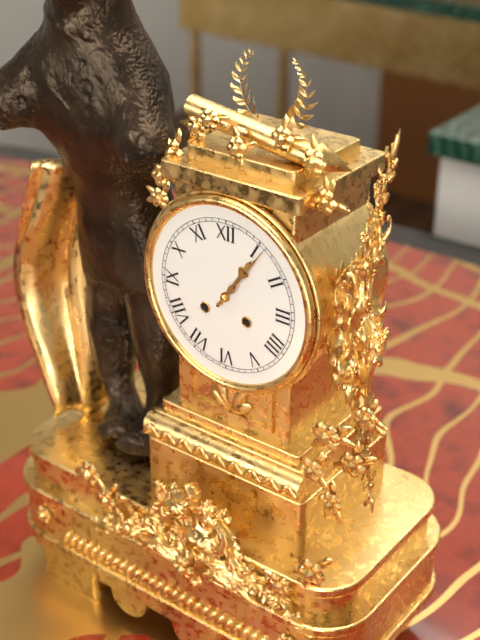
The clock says {"hour": 1, "minute": 6}
